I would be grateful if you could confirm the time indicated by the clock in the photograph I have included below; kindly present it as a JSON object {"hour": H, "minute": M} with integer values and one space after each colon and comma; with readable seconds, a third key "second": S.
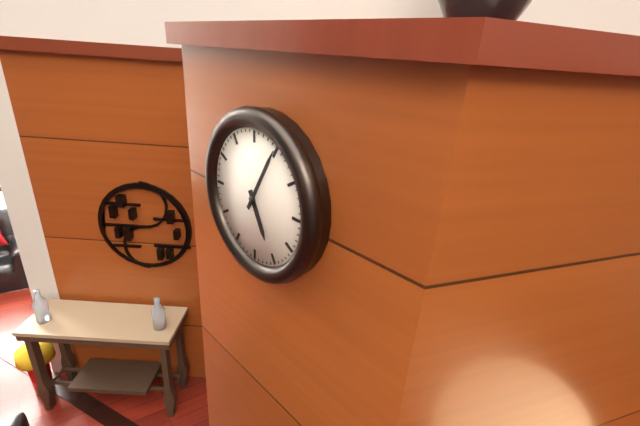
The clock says {"hour": 5, "minute": 5}
